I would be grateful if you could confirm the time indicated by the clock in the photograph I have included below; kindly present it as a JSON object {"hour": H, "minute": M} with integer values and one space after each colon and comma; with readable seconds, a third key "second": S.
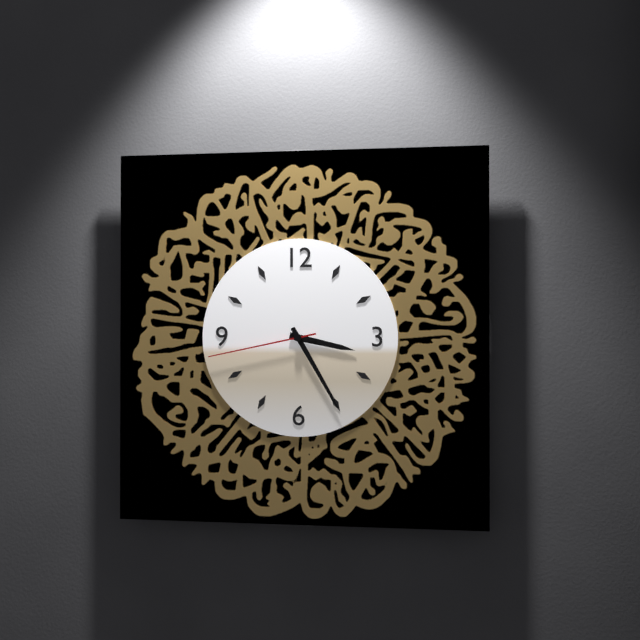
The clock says {"hour": 3, "minute": 25, "second": 43}
